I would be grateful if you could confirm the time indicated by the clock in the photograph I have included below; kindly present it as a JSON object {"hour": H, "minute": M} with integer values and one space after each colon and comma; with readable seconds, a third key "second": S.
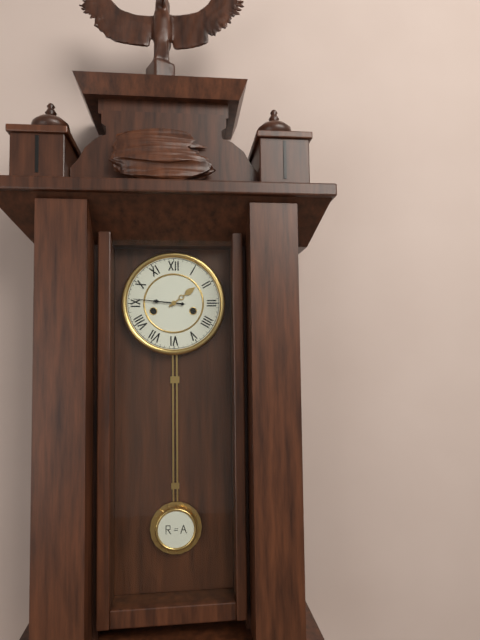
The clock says {"hour": 1, "minute": 46}
